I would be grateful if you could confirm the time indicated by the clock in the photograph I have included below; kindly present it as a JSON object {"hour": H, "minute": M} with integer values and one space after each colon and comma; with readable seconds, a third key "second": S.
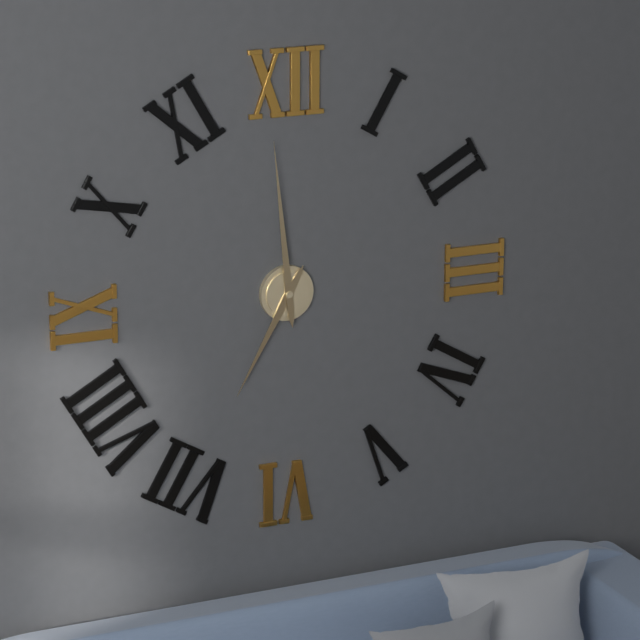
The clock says {"hour": 6, "minute": 59}
